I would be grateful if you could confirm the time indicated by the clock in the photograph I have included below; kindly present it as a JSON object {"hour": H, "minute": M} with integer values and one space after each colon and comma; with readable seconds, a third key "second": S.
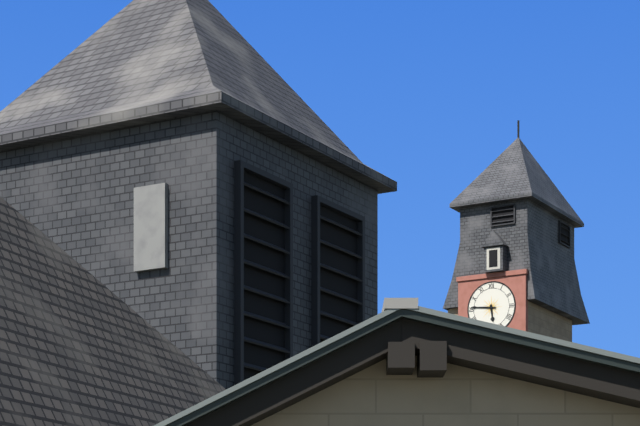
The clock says {"hour": 5, "minute": 46}
